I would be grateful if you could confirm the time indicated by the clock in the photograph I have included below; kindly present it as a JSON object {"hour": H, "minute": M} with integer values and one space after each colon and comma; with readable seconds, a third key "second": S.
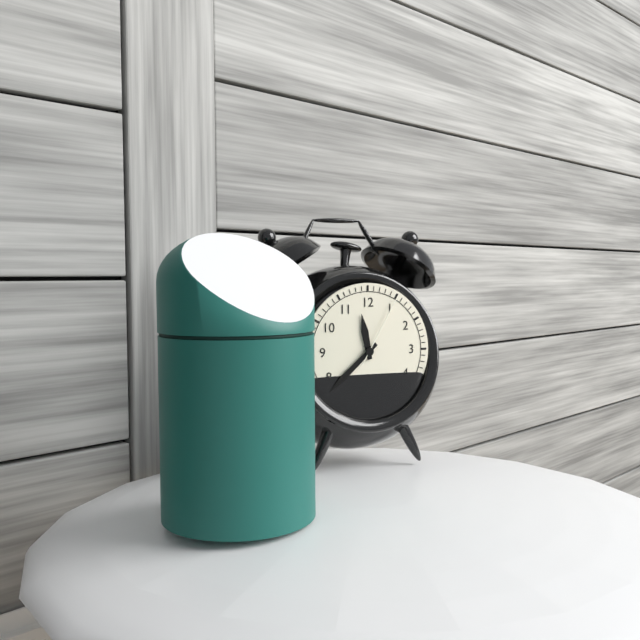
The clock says {"hour": 11, "minute": 38, "second": 5}
